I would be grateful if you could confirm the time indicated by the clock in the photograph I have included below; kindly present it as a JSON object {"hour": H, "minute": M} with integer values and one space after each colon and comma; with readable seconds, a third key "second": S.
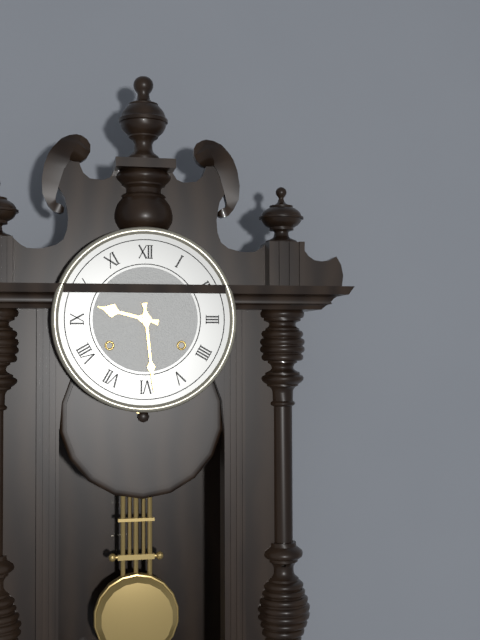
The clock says {"hour": 9, "minute": 29}
